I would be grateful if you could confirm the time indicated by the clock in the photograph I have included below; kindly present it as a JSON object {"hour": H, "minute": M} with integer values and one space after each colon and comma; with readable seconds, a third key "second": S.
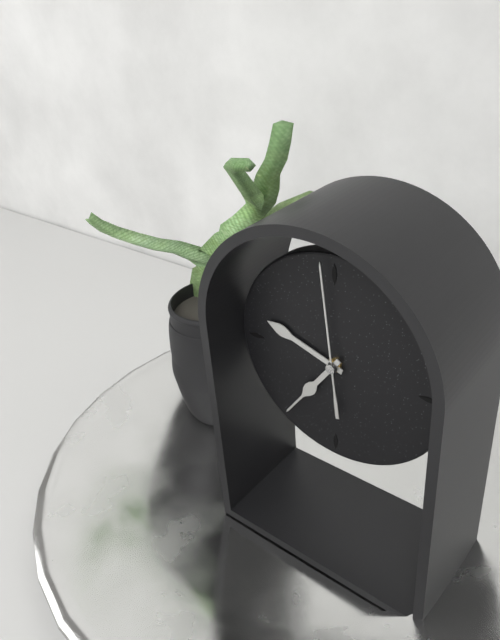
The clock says {"hour": 9, "minute": 36, "second": 59}
